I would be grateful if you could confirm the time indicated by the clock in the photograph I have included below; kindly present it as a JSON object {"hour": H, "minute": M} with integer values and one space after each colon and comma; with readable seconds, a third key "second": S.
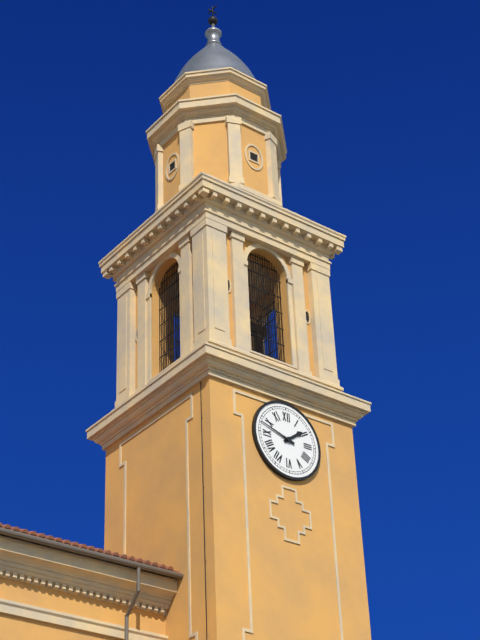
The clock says {"hour": 1, "minute": 48}
